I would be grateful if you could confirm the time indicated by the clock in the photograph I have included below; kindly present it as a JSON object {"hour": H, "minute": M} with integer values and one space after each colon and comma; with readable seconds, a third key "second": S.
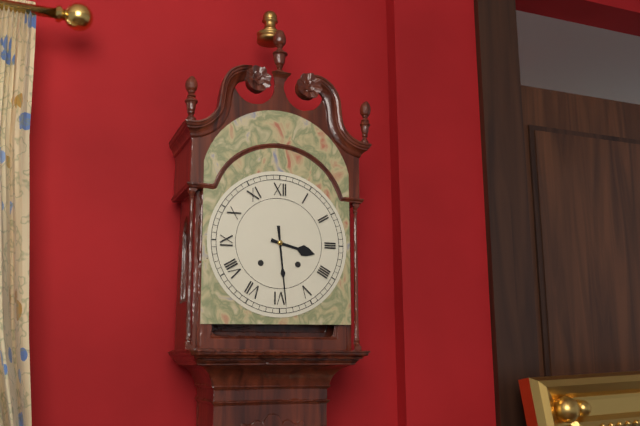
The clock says {"hour": 3, "minute": 29}
